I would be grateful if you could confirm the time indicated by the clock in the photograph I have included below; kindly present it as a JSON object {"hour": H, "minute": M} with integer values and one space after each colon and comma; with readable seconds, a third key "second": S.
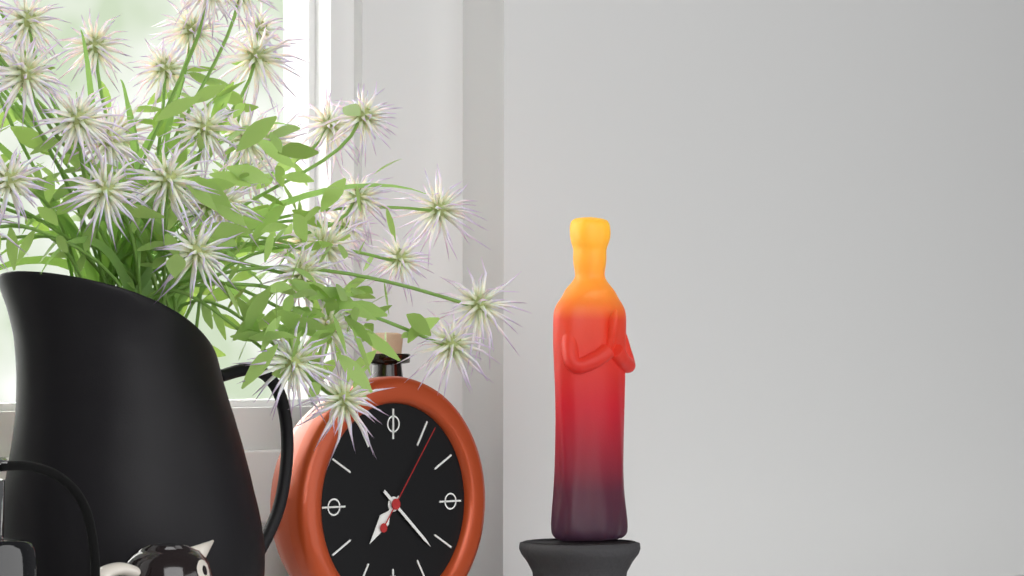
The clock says {"hour": 7, "minute": 22, "second": 6}
